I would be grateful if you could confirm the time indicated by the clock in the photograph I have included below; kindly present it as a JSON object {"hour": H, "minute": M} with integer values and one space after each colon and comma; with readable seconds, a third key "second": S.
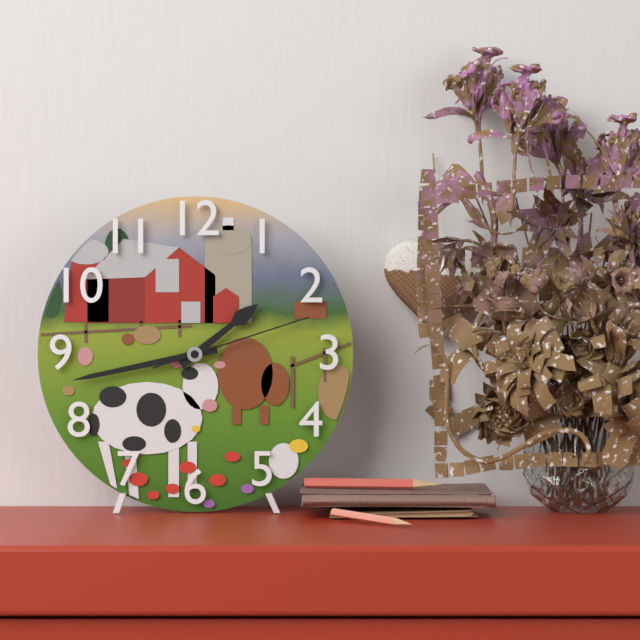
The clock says {"hour": 1, "minute": 43, "second": 12}
